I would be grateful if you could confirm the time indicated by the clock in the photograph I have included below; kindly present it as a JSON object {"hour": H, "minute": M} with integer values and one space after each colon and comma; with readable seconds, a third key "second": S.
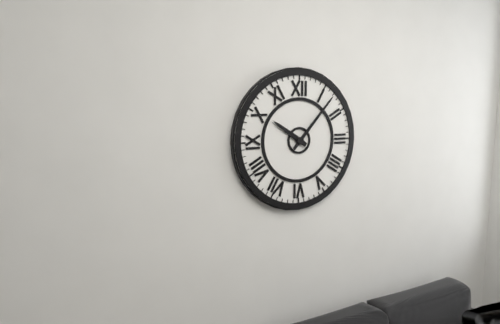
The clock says {"hour": 10, "minute": 7}
